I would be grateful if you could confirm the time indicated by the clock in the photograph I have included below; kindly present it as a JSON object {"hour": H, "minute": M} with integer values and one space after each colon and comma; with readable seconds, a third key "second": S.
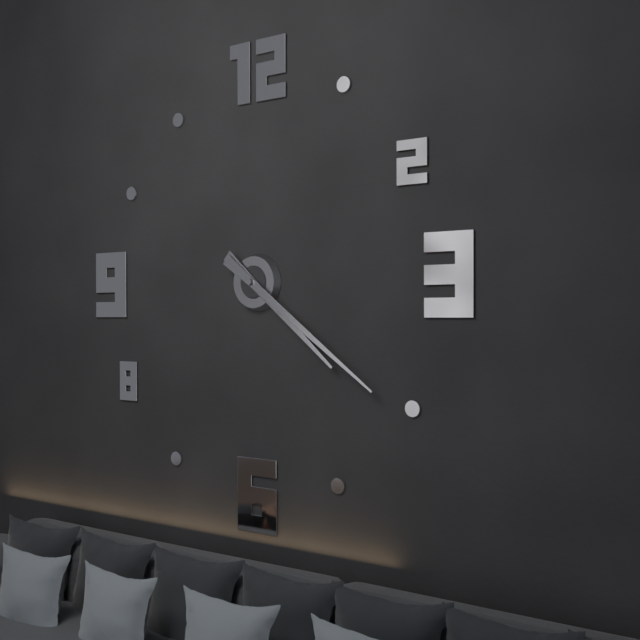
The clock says {"hour": 4, "minute": 21}
